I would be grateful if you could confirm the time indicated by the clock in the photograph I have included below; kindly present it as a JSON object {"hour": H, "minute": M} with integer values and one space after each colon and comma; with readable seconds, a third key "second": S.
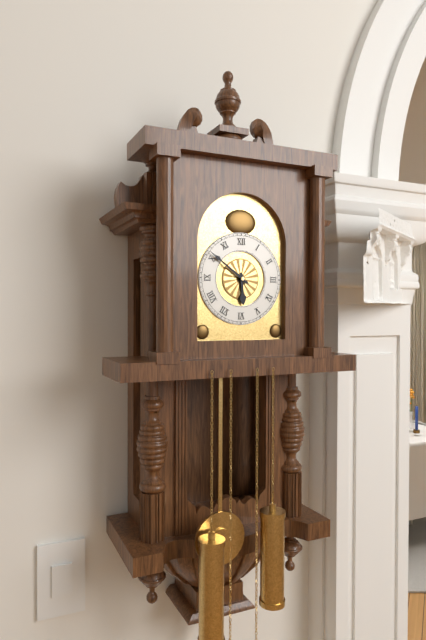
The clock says {"hour": 5, "minute": 51}
